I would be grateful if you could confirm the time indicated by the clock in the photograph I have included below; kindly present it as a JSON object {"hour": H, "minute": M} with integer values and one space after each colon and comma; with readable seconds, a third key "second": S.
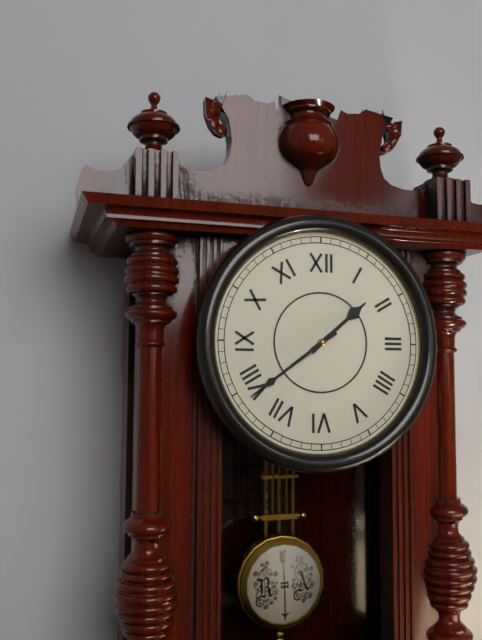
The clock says {"hour": 1, "minute": 39}
